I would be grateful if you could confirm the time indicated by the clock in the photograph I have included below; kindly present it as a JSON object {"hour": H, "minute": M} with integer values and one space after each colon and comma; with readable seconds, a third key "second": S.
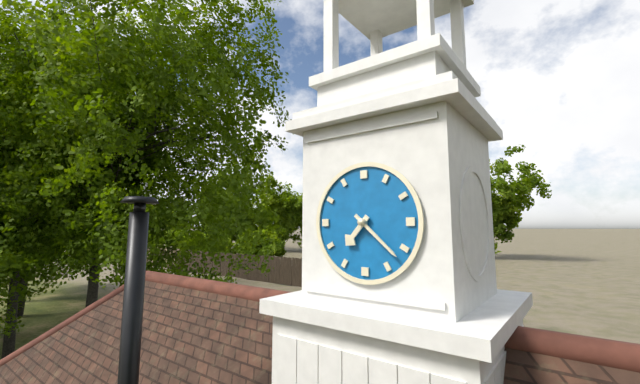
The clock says {"hour": 7, "minute": 22}
